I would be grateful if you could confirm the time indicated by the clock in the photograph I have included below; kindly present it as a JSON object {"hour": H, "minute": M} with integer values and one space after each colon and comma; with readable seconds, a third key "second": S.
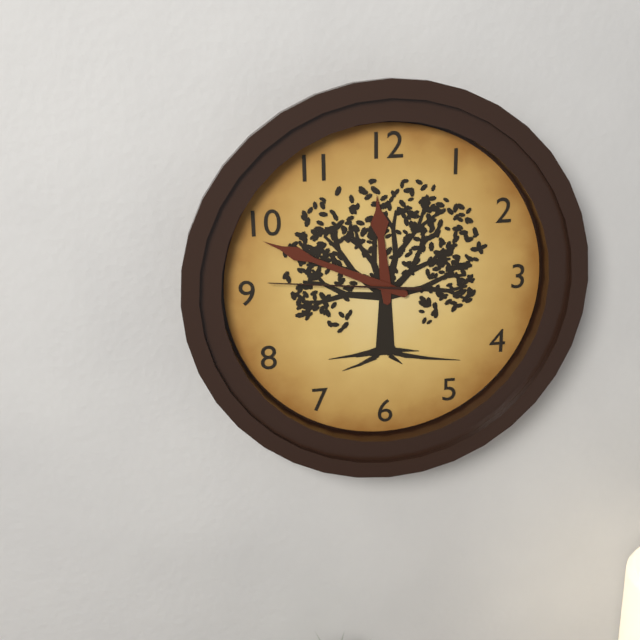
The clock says {"hour": 11, "minute": 49, "second": 46}
